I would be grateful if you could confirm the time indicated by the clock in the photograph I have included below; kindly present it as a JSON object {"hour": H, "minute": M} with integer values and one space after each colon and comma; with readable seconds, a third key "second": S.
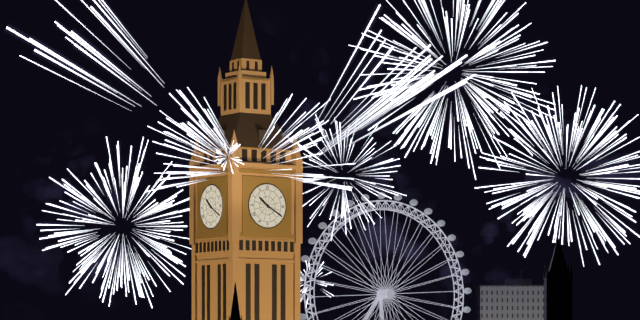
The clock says {"hour": 10, "minute": 20}
